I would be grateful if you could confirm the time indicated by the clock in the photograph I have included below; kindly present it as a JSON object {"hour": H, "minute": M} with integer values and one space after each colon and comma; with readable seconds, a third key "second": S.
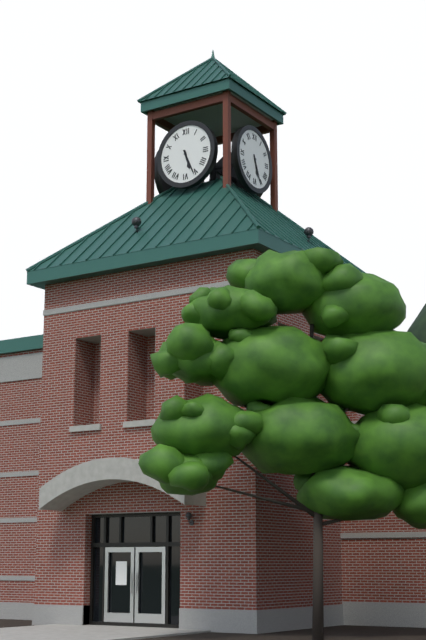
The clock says {"hour": 5, "minute": 26}
